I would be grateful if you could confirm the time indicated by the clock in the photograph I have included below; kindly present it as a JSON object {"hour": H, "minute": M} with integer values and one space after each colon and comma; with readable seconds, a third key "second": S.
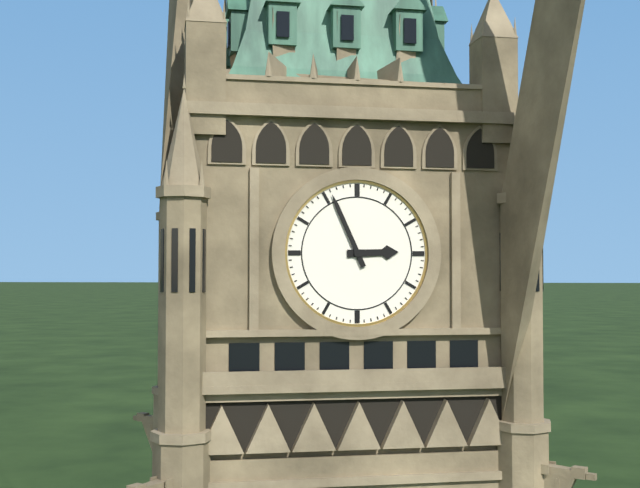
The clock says {"hour": 2, "minute": 56}
